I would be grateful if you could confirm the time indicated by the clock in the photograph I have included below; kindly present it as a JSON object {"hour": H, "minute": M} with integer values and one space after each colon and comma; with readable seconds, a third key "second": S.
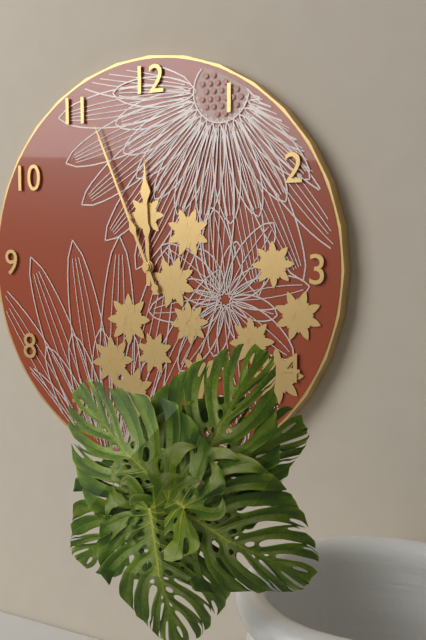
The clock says {"hour": 11, "minute": 56}
